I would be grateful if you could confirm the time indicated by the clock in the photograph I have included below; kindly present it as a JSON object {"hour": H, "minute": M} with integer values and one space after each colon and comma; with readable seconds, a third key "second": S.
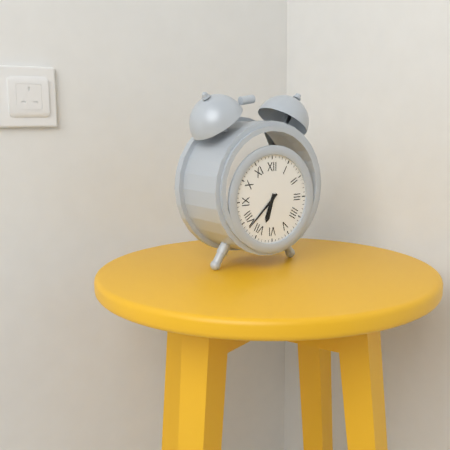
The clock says {"hour": 6, "minute": 38}
